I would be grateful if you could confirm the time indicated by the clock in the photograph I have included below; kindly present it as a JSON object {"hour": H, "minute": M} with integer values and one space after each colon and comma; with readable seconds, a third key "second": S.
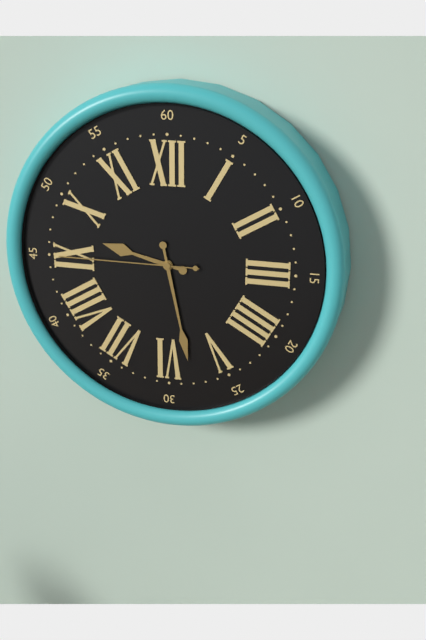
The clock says {"hour": 9, "minute": 28, "second": 45}
